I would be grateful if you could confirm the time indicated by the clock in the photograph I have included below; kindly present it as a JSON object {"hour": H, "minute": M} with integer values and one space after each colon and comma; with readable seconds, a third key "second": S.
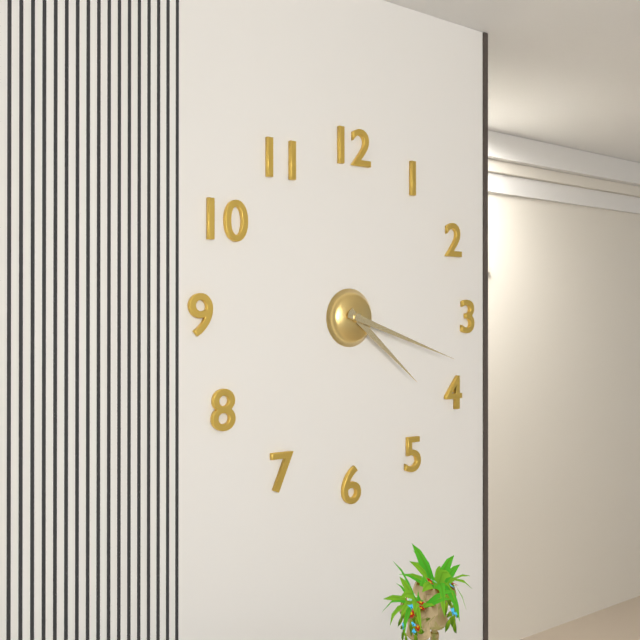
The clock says {"hour": 4, "minute": 18}
